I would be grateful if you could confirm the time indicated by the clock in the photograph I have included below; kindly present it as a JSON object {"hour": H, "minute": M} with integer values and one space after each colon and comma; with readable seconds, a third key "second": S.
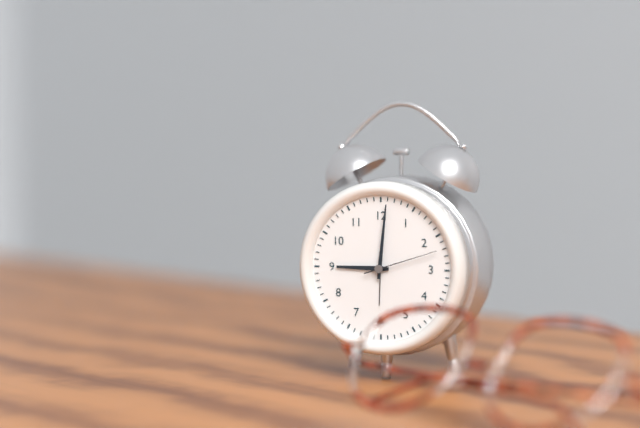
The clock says {"hour": 9, "minute": 1, "second": 12}
